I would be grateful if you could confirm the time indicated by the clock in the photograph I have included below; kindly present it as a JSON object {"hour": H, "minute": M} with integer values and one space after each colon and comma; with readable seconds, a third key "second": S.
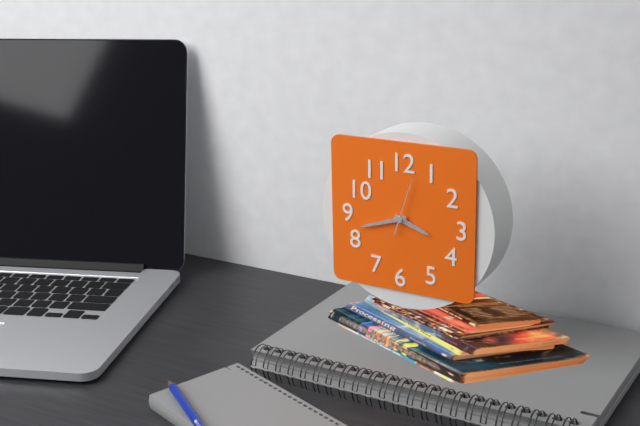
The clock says {"hour": 3, "minute": 42, "second": 3}
